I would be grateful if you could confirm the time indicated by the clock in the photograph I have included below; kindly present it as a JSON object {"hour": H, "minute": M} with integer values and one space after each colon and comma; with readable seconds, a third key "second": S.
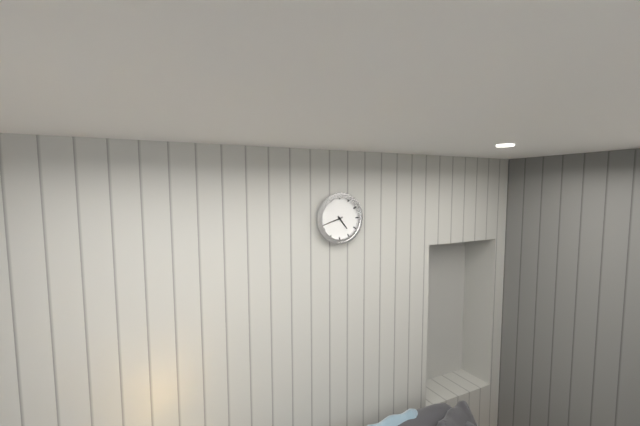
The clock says {"hour": 4, "minute": 42}
